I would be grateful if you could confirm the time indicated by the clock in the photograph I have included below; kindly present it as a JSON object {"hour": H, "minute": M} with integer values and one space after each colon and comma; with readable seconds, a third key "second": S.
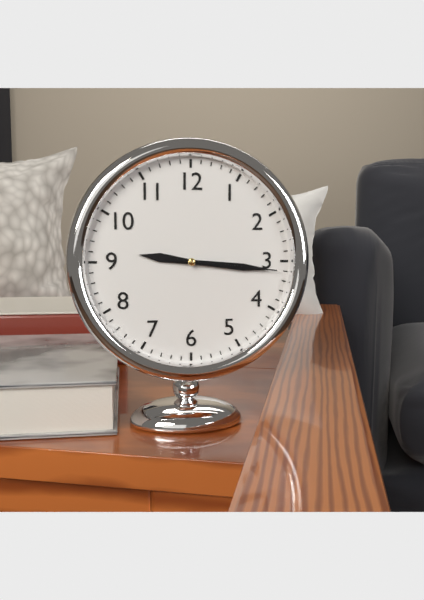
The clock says {"hour": 9, "minute": 16, "second": 16}
